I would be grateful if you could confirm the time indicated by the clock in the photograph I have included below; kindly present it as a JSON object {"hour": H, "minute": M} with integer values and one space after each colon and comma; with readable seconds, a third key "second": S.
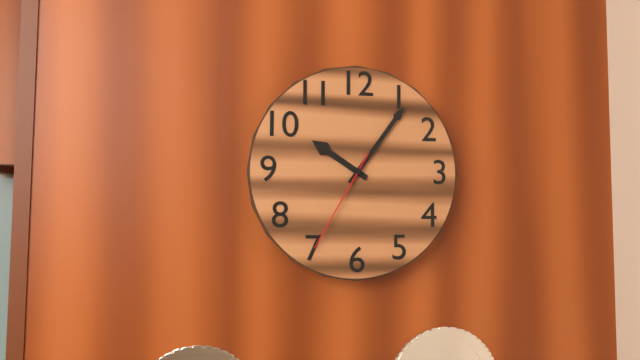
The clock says {"hour": 10, "minute": 6, "second": 35}
